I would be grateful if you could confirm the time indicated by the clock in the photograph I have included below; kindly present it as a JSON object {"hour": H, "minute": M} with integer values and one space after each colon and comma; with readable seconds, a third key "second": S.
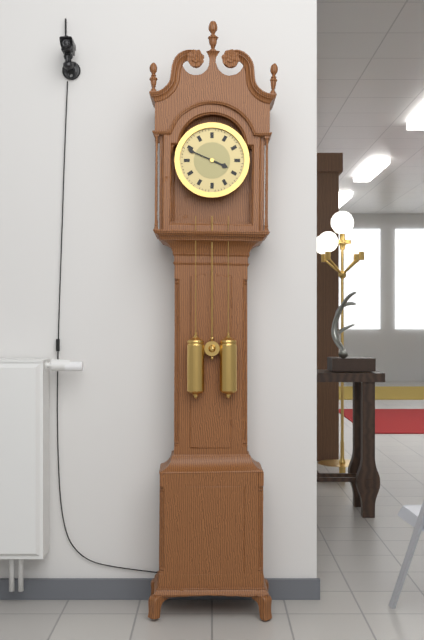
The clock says {"hour": 3, "minute": 49}
